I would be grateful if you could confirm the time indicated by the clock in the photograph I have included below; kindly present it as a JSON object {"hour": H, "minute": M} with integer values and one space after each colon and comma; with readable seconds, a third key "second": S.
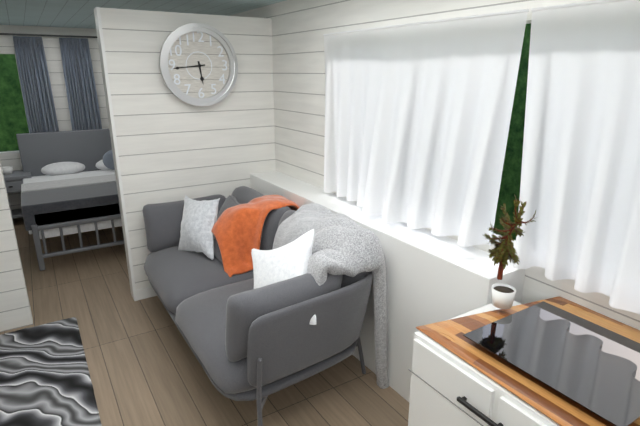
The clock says {"hour": 5, "minute": 44}
